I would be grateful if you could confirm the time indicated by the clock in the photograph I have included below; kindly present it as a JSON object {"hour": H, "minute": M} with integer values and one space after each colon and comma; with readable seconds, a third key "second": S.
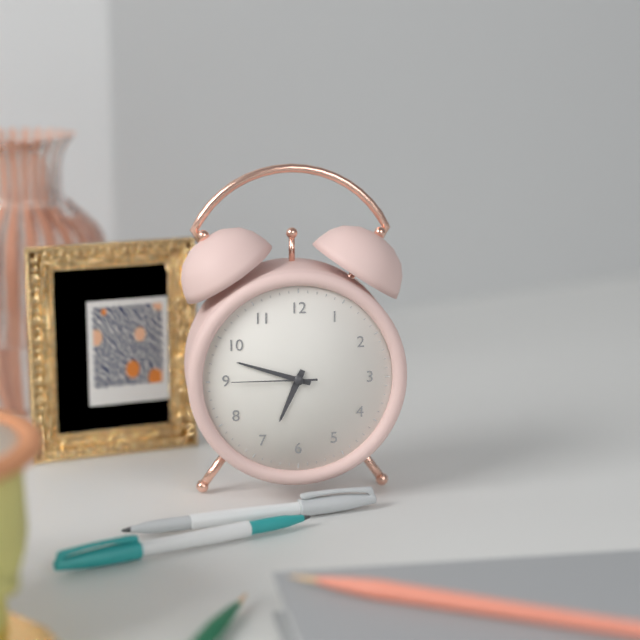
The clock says {"hour": 6, "minute": 48, "second": 45}
